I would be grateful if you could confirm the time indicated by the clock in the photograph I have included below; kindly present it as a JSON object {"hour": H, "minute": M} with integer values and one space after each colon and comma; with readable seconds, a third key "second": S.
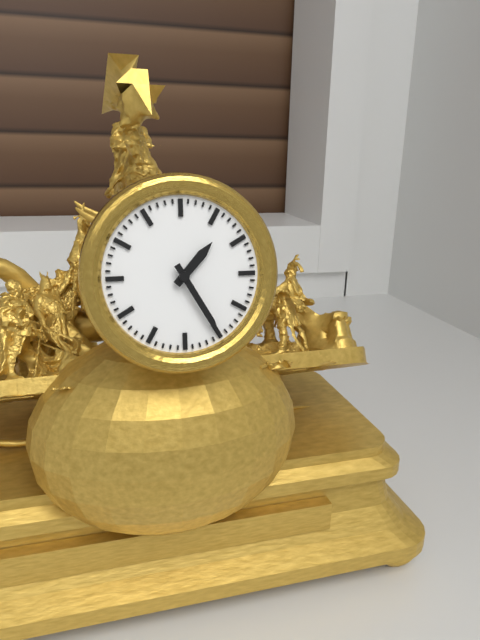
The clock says {"hour": 1, "minute": 25}
